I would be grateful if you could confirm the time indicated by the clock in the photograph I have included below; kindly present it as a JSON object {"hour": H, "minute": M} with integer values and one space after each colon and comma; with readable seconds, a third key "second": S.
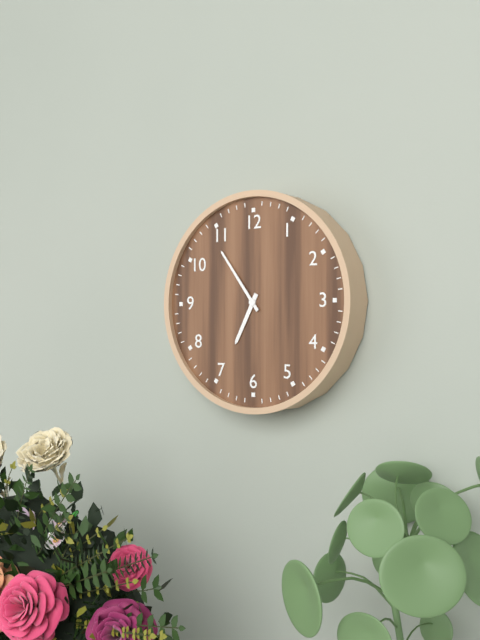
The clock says {"hour": 6, "minute": 54}
